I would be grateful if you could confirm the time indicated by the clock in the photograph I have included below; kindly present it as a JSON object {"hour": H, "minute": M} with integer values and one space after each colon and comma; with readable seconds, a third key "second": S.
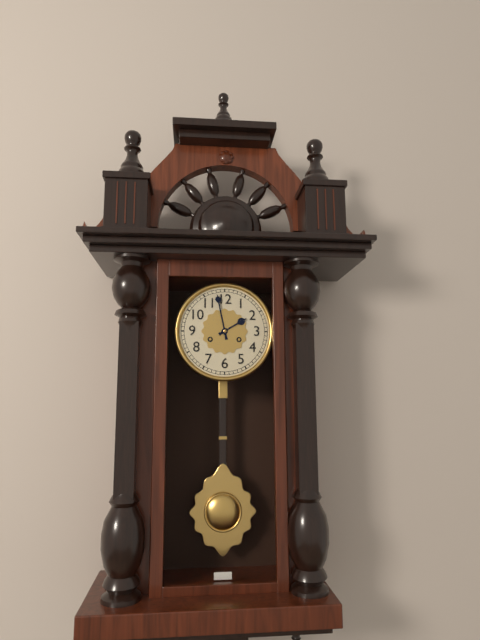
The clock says {"hour": 1, "minute": 58}
